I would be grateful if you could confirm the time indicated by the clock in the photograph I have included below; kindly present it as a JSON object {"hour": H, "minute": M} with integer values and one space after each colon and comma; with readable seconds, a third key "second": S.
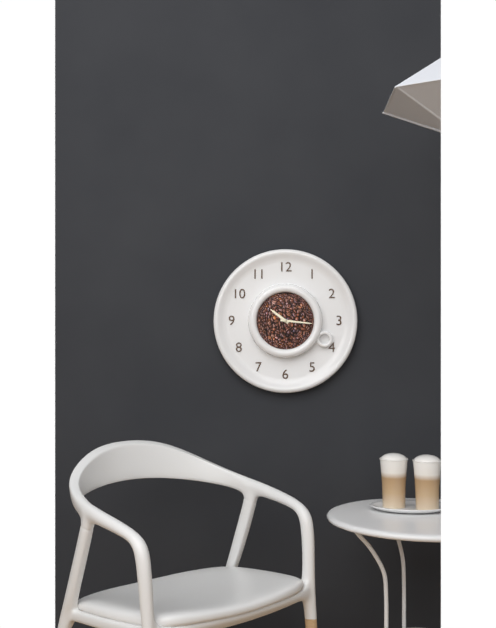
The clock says {"hour": 10, "minute": 16}
